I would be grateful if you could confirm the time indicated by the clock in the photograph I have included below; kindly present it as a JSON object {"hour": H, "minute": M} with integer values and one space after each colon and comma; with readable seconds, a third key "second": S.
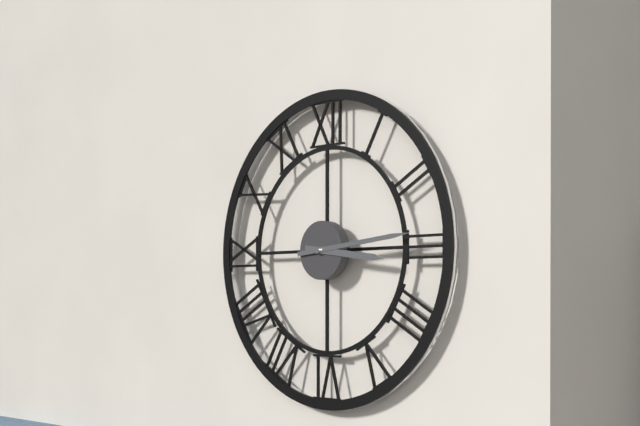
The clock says {"hour": 3, "minute": 14}
